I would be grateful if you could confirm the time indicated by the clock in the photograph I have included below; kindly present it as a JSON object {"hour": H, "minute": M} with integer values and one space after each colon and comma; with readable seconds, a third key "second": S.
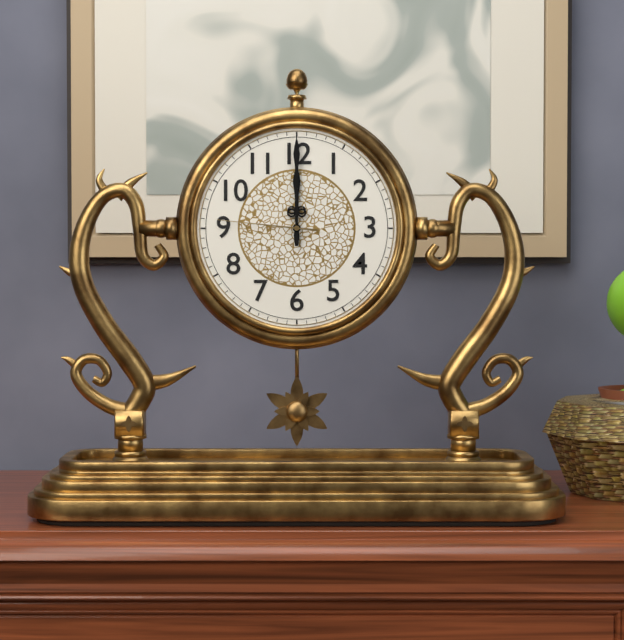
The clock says {"hour": 12, "minute": 0, "second": 46}
